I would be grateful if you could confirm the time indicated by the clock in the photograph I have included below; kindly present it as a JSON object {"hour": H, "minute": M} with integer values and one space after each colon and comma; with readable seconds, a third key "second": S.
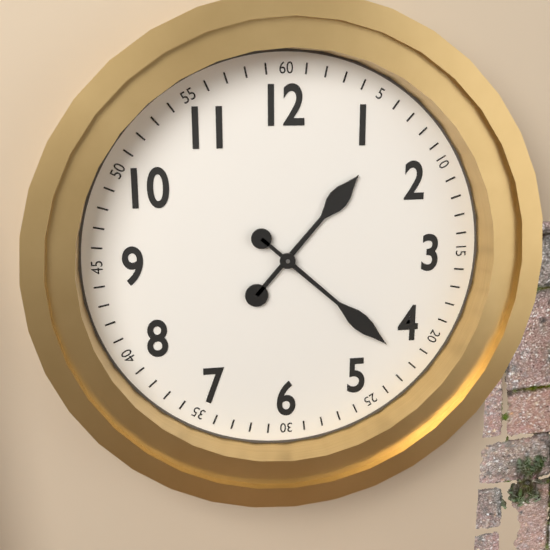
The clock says {"hour": 1, "minute": 22}
